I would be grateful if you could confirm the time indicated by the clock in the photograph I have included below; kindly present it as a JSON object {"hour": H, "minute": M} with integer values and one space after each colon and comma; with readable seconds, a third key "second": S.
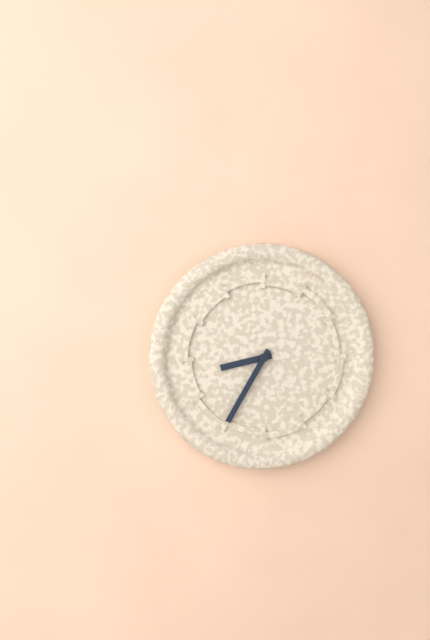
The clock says {"hour": 8, "minute": 35}
